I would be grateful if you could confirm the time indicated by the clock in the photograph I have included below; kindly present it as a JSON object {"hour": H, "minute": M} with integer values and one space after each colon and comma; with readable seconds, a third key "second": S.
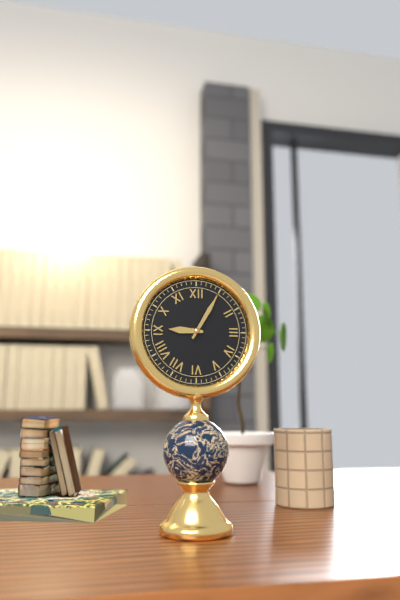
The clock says {"hour": 9, "minute": 5}
